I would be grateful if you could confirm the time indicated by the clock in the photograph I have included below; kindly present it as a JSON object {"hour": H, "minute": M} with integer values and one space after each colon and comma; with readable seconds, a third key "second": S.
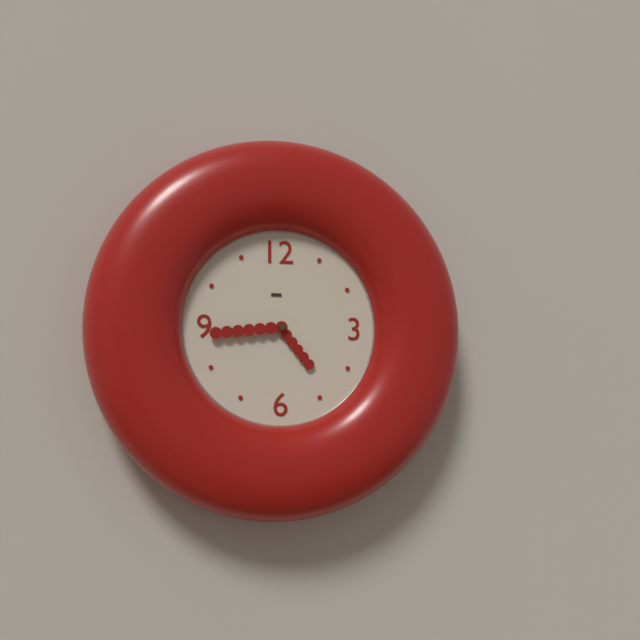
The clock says {"hour": 4, "minute": 44}
